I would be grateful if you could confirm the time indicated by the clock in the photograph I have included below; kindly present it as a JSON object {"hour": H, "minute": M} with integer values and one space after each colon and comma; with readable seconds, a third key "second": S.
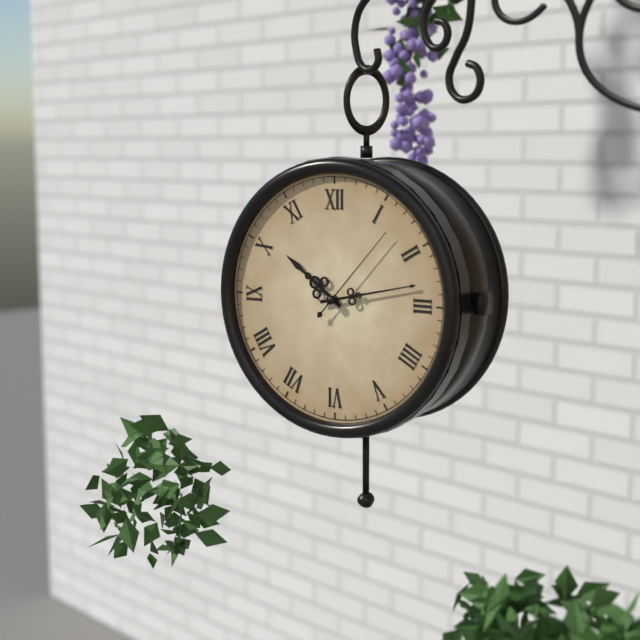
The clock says {"hour": 10, "minute": 13, "second": 7}
